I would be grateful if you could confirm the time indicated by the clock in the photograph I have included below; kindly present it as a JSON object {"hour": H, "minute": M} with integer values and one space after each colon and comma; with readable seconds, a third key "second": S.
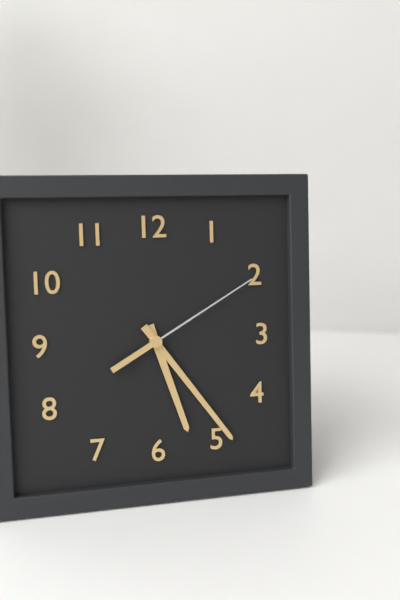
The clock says {"hour": 5, "minute": 24, "second": 10}
